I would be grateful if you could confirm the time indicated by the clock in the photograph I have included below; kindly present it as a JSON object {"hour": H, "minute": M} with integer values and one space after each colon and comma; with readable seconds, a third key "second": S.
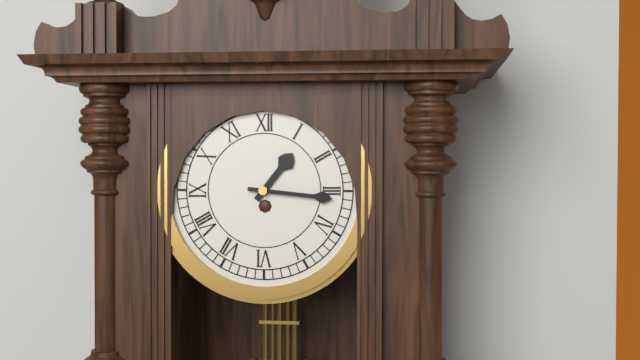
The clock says {"hour": 1, "minute": 16}
